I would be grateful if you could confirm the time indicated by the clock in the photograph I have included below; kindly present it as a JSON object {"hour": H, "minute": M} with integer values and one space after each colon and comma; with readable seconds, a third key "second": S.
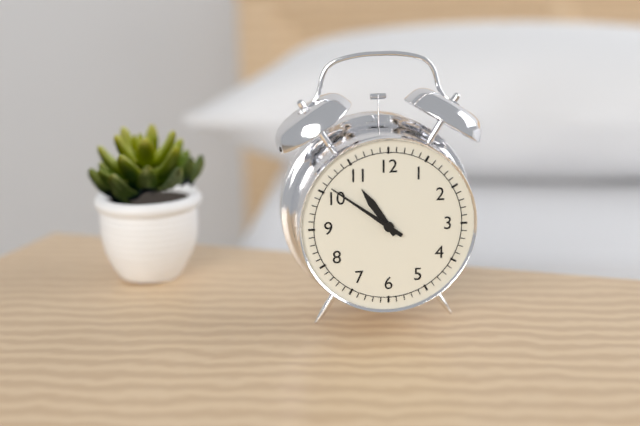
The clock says {"hour": 10, "minute": 51}
